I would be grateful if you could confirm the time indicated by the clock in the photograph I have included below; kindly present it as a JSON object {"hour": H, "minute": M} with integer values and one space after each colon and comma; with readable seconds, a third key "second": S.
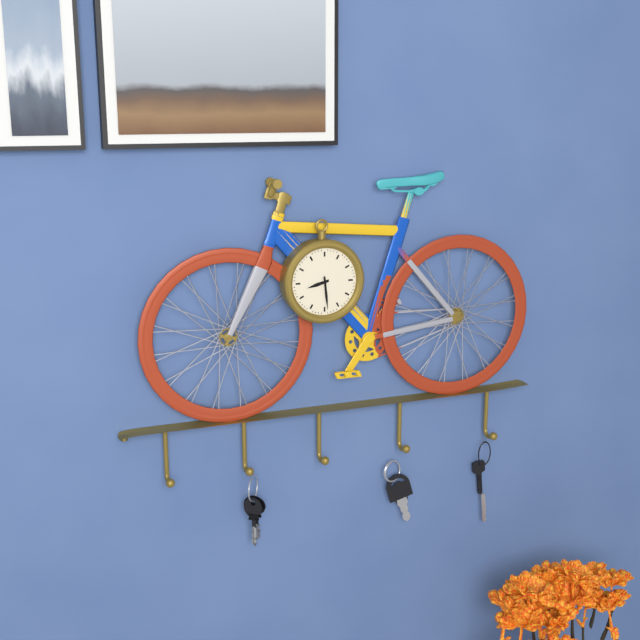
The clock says {"hour": 8, "minute": 29}
